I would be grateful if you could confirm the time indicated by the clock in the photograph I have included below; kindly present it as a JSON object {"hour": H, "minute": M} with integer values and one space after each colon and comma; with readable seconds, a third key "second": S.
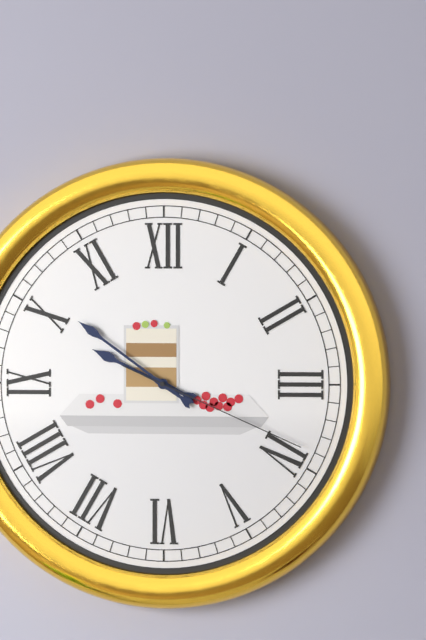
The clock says {"hour": 9, "minute": 51, "second": 19}
